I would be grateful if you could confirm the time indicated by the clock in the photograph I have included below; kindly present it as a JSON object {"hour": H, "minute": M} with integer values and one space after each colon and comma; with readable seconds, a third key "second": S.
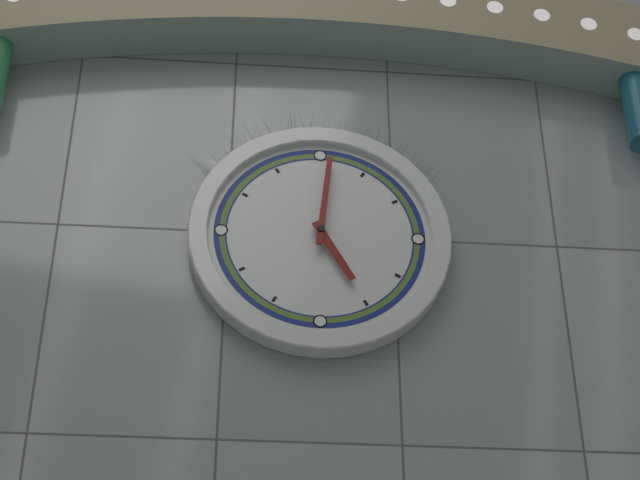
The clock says {"hour": 5, "minute": 1}
